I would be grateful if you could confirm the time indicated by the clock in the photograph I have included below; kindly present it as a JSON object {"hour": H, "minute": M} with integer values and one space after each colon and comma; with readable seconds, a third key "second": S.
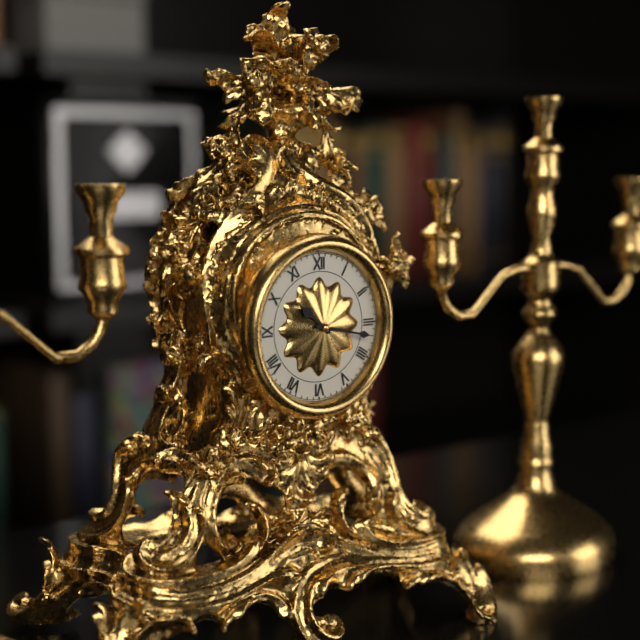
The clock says {"hour": 10, "minute": 17}
